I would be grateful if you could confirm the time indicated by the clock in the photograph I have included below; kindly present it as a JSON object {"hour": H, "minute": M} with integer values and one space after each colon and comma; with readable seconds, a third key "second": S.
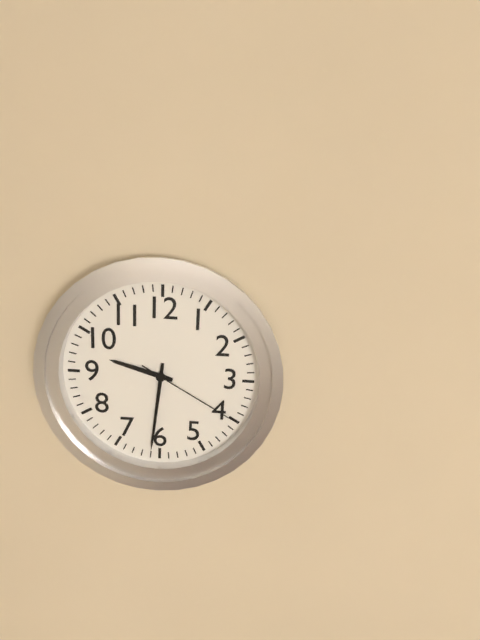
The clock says {"hour": 9, "minute": 31, "second": 20}
